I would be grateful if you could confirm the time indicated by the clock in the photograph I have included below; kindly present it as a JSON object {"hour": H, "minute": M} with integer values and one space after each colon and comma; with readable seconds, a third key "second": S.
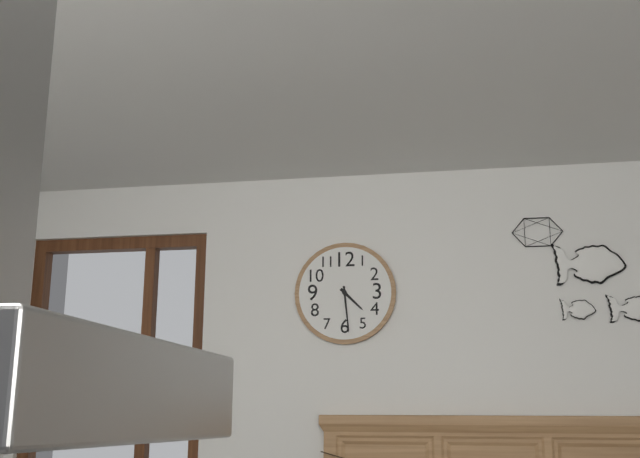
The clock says {"hour": 4, "minute": 29}
